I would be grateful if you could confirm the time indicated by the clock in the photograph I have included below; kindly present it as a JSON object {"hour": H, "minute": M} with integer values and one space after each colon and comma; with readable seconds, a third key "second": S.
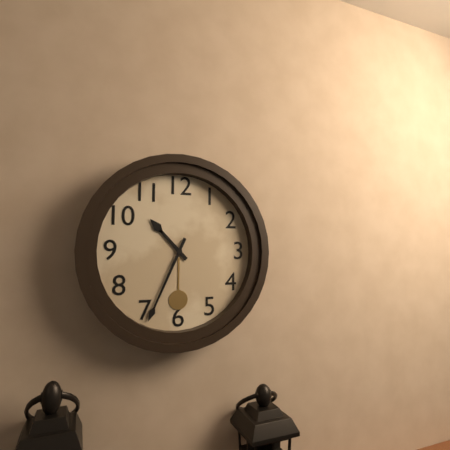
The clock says {"hour": 10, "minute": 34}
